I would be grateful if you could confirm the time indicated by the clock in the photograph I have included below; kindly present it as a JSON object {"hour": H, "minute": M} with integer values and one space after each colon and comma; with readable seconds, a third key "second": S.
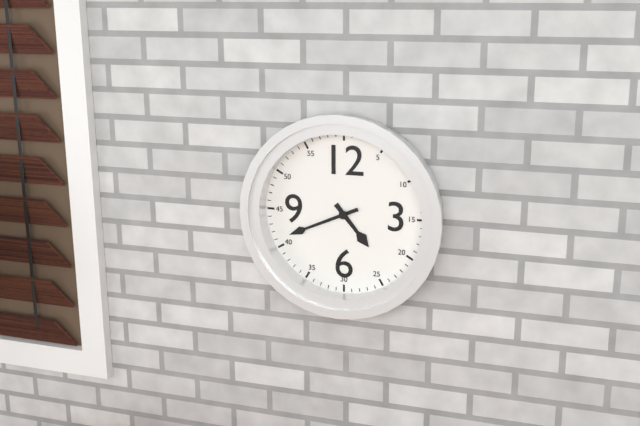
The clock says {"hour": 4, "minute": 41}
